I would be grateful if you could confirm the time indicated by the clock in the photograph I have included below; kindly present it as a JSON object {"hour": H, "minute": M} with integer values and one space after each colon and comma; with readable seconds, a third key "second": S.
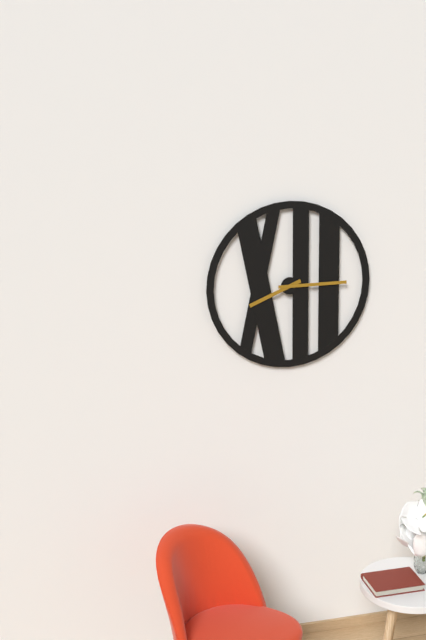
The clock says {"hour": 8, "minute": 15}
